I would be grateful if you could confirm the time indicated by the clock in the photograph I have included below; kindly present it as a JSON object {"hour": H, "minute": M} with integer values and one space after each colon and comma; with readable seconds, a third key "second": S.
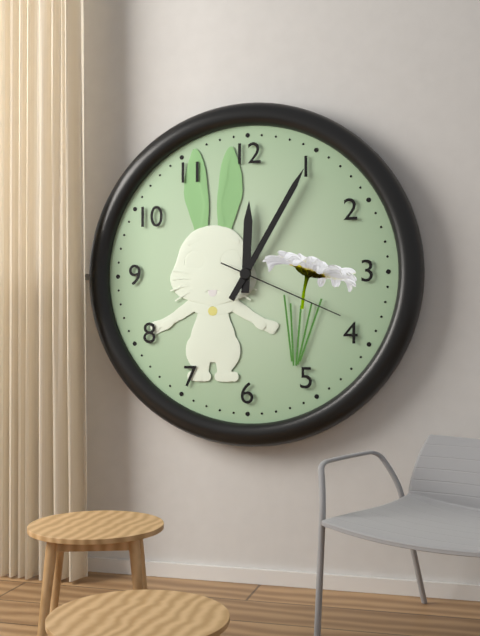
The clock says {"hour": 12, "minute": 5, "second": 19}
